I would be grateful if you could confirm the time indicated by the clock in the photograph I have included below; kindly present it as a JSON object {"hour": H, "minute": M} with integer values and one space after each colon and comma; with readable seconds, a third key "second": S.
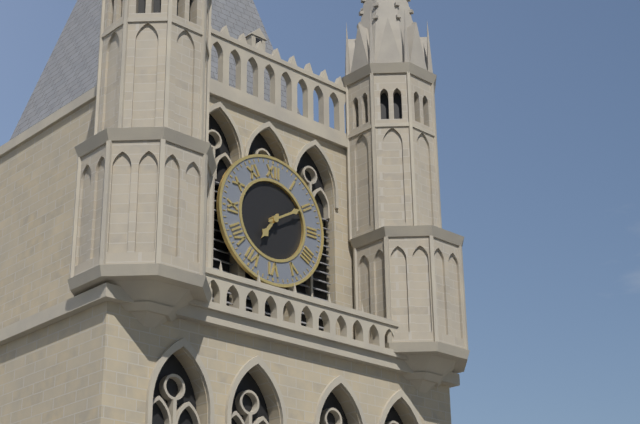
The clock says {"hour": 7, "minute": 10}
